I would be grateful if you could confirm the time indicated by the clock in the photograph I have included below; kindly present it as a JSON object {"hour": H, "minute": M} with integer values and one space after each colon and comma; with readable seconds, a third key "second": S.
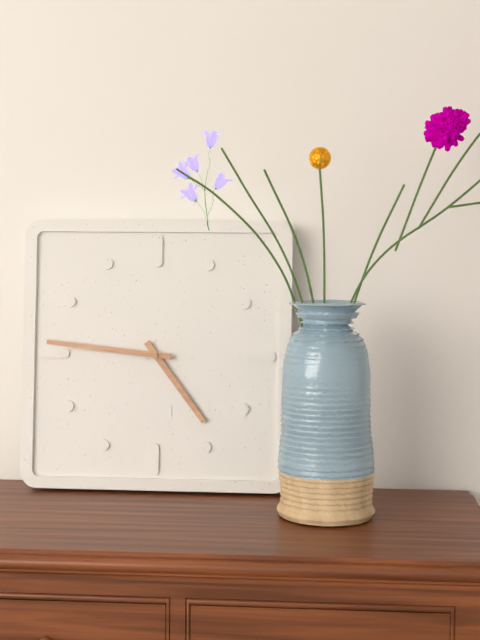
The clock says {"hour": 4, "minute": 46}
